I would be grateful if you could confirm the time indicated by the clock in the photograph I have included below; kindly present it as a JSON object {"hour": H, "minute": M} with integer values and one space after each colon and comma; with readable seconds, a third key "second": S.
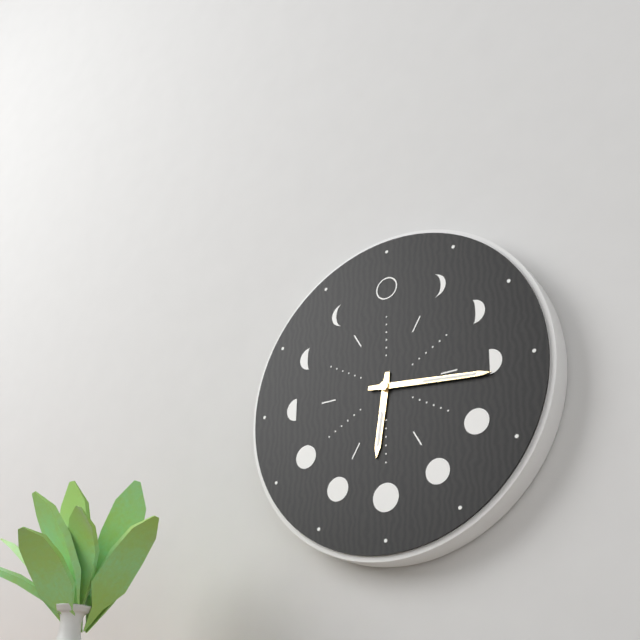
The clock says {"hour": 6, "minute": 16}
